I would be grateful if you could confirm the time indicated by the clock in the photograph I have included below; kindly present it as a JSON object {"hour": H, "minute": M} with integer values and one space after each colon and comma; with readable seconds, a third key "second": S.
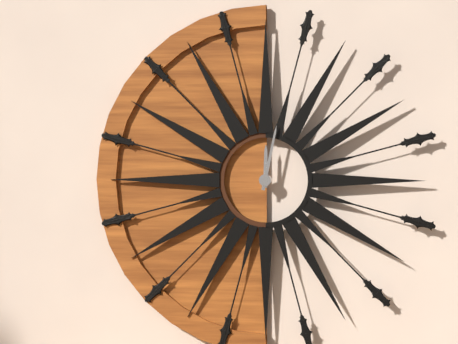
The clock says {"hour": 12, "minute": 2}
